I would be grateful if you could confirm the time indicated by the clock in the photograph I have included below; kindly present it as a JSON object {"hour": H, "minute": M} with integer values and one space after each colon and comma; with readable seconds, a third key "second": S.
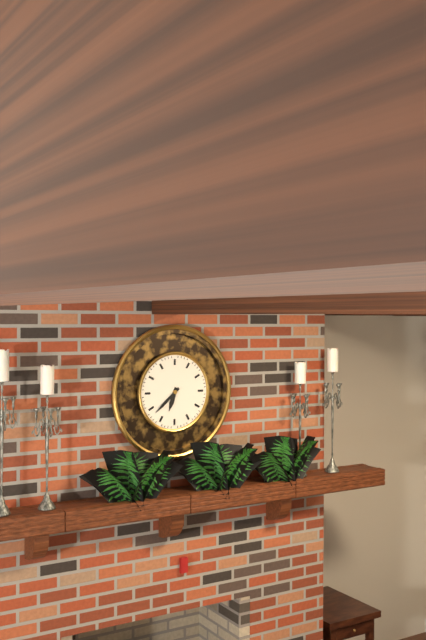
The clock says {"hour": 6, "minute": 38}
